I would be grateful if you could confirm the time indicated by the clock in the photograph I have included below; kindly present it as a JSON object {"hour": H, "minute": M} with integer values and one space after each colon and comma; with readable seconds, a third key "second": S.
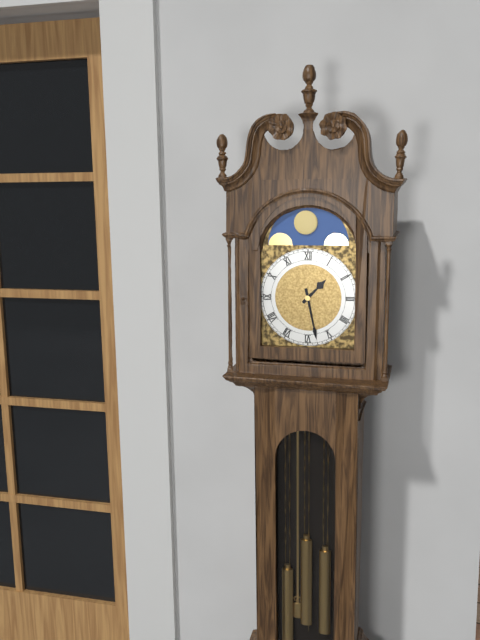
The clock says {"hour": 1, "minute": 28}
